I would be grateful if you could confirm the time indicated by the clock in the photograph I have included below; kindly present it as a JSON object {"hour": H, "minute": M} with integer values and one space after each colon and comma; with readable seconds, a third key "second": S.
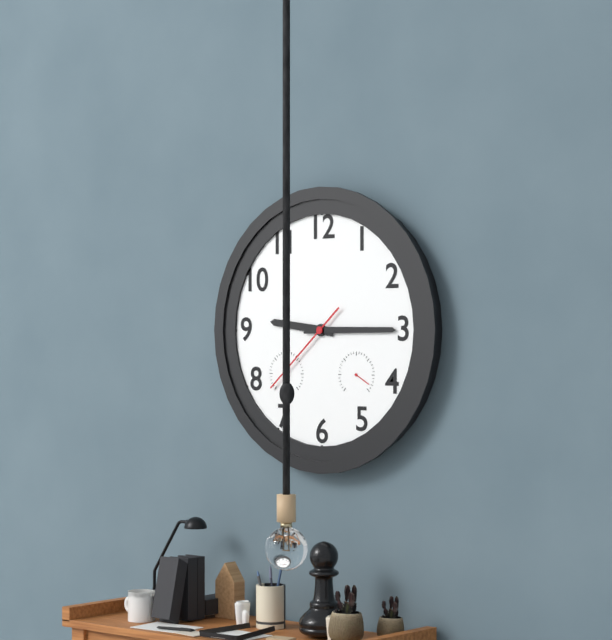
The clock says {"hour": 9, "minute": 15, "second": 38}
